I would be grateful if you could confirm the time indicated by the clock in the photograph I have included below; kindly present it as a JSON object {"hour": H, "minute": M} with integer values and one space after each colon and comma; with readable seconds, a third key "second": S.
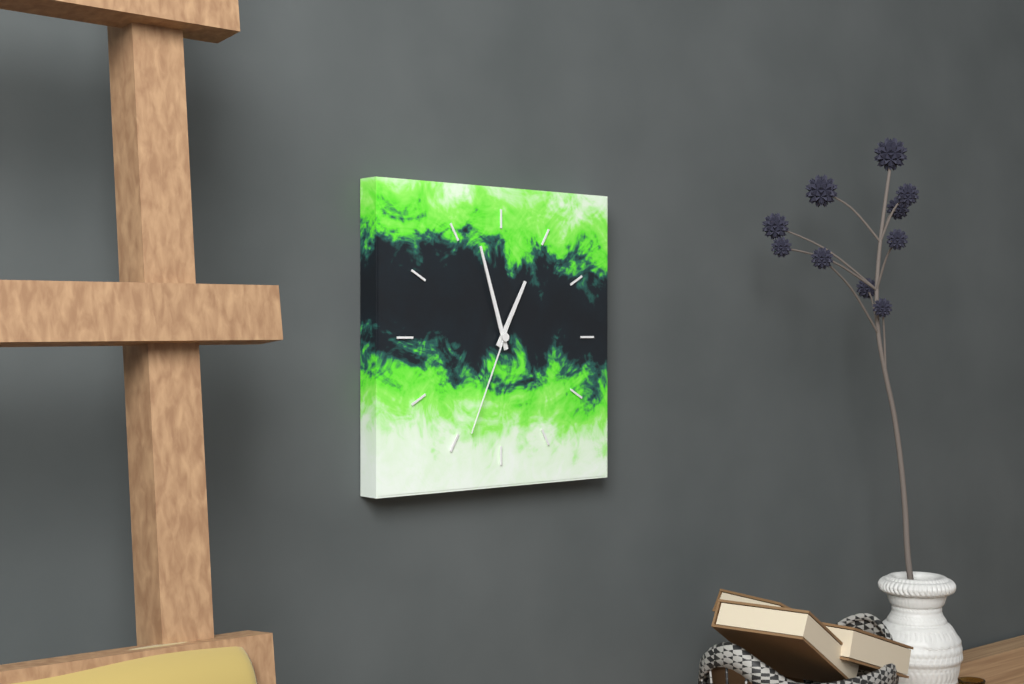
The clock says {"hour": 12, "minute": 57, "second": 34}
